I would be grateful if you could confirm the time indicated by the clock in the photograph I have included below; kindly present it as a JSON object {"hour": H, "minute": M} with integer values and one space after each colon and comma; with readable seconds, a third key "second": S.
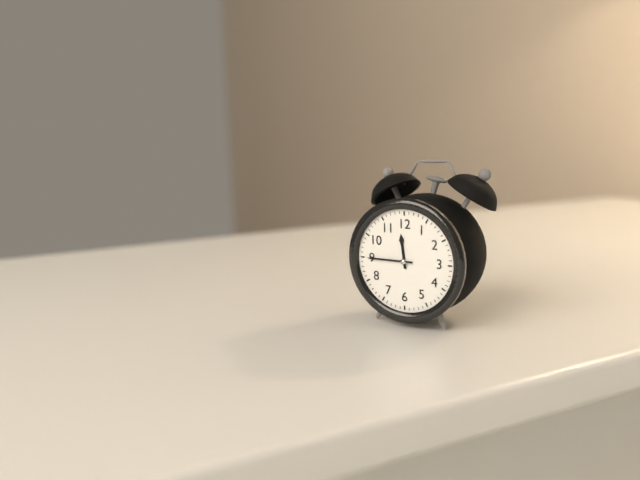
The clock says {"hour": 11, "minute": 45}
